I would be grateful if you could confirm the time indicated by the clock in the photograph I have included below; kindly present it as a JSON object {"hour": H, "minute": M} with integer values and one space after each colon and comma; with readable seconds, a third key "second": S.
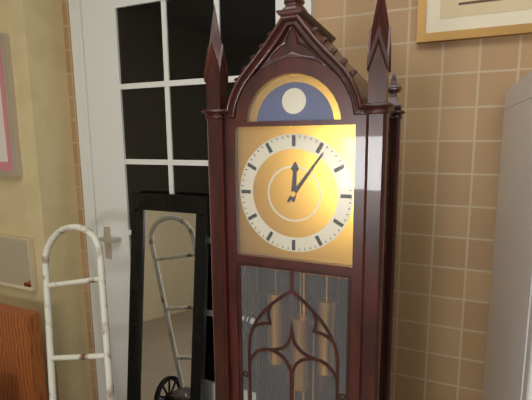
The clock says {"hour": 12, "minute": 6}
